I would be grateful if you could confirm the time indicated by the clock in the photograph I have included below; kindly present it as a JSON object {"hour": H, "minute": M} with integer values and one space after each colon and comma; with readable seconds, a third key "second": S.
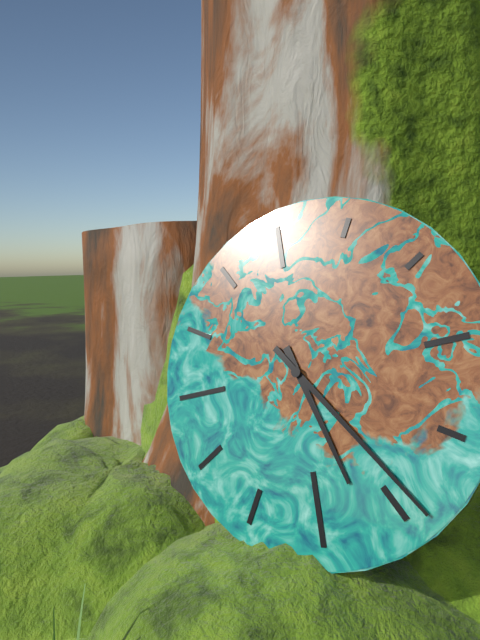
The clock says {"hour": 5, "minute": 24}
